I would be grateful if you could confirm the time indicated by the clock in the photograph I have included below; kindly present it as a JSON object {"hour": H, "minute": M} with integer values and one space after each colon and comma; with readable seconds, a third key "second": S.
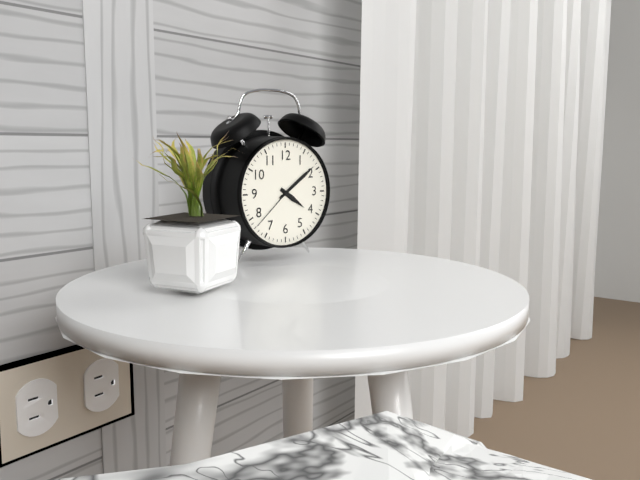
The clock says {"hour": 4, "minute": 9}
